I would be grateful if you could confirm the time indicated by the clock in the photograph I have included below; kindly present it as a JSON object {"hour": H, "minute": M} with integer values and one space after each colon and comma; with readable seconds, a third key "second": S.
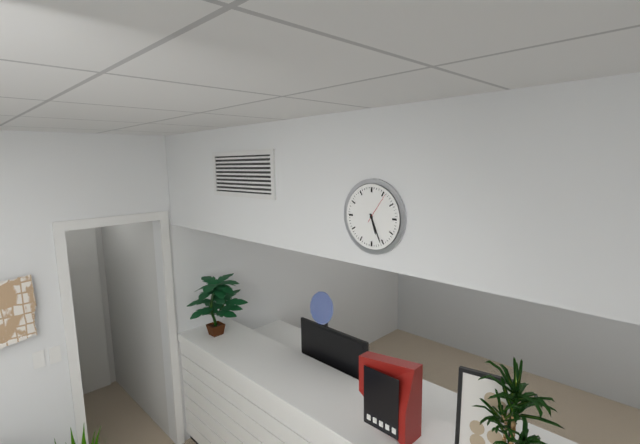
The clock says {"hour": 5, "minute": 26}
